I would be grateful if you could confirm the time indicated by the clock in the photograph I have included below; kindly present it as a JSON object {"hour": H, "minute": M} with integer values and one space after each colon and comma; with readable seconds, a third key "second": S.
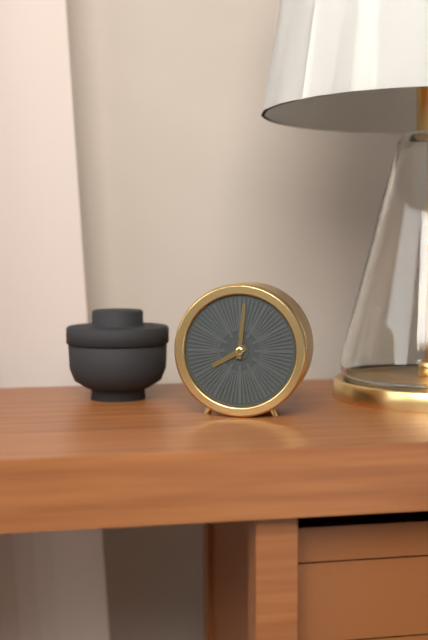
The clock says {"hour": 8, "minute": 1}
